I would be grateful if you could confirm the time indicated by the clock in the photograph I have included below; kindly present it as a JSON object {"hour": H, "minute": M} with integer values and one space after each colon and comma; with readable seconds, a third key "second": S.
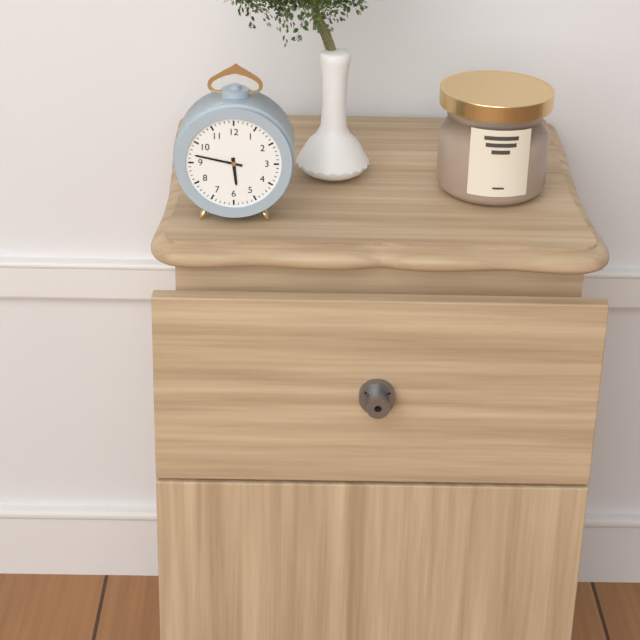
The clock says {"hour": 5, "minute": 47}
